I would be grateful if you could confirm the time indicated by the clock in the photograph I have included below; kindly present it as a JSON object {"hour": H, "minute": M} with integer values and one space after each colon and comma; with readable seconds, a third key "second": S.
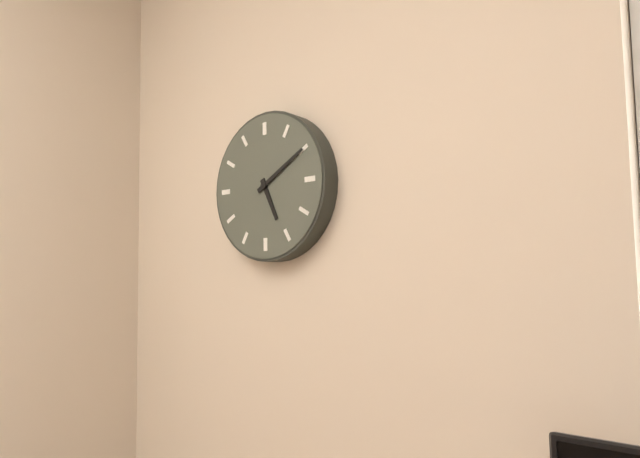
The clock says {"hour": 5, "minute": 10}
